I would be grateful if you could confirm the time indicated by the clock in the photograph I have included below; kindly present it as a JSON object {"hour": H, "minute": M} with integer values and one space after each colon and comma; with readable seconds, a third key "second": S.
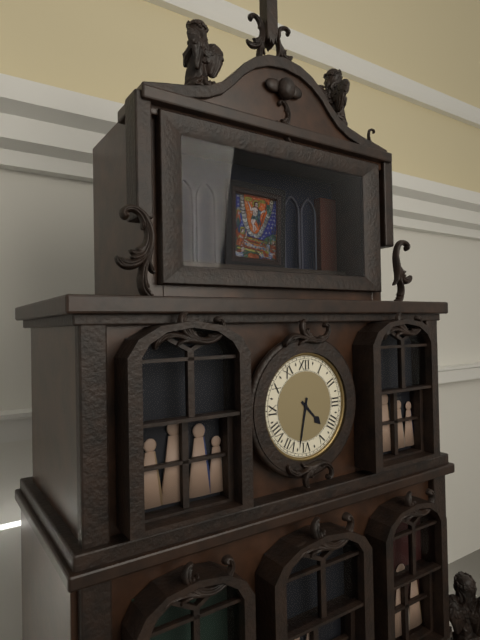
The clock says {"hour": 4, "minute": 32}
